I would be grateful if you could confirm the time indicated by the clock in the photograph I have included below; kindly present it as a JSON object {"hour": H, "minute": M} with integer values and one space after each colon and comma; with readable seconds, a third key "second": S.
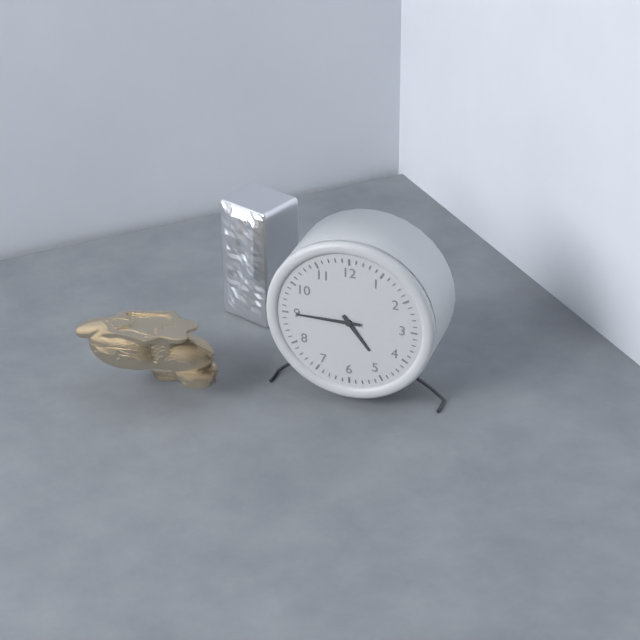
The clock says {"hour": 4, "minute": 45}
